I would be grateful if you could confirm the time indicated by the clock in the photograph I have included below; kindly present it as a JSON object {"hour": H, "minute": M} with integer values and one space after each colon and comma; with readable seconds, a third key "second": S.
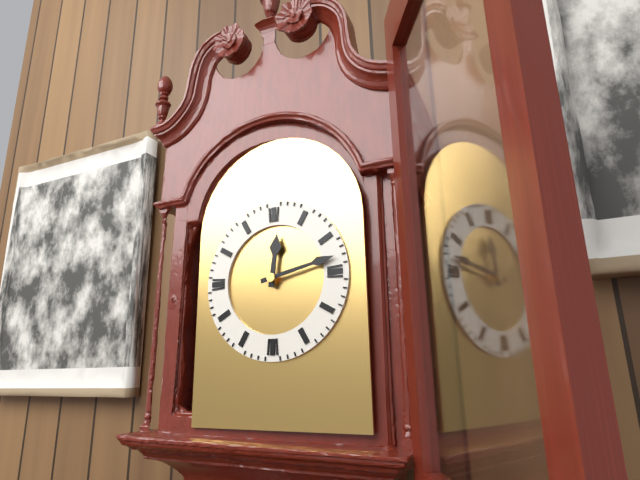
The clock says {"hour": 12, "minute": 13}
